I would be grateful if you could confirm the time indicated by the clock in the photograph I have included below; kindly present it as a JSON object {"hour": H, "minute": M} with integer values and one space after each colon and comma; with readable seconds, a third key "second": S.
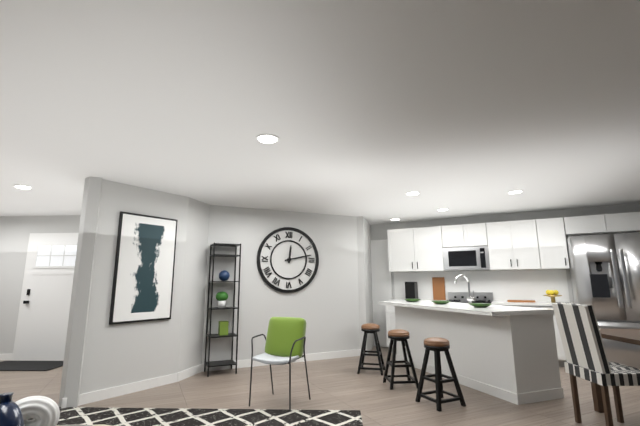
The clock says {"hour": 12, "minute": 13}
